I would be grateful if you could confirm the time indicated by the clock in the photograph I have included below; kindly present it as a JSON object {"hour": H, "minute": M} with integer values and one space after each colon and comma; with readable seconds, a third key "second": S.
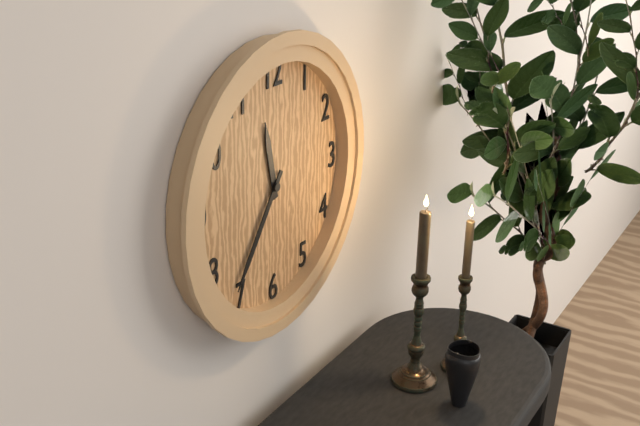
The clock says {"hour": 11, "minute": 36}
